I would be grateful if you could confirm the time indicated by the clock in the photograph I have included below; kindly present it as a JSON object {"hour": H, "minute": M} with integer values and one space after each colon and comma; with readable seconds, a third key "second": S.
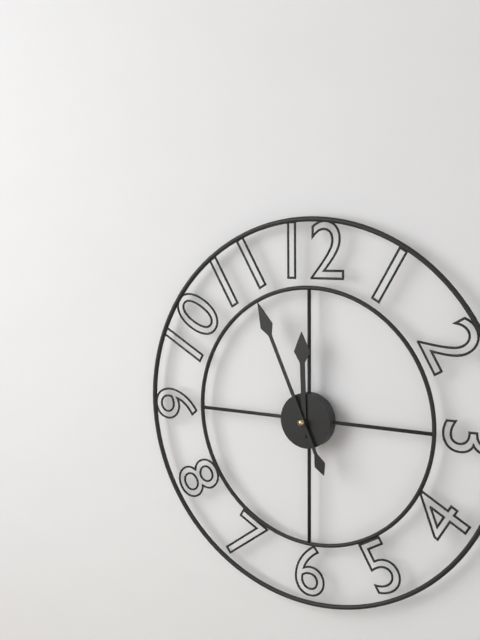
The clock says {"hour": 11, "minute": 56}
